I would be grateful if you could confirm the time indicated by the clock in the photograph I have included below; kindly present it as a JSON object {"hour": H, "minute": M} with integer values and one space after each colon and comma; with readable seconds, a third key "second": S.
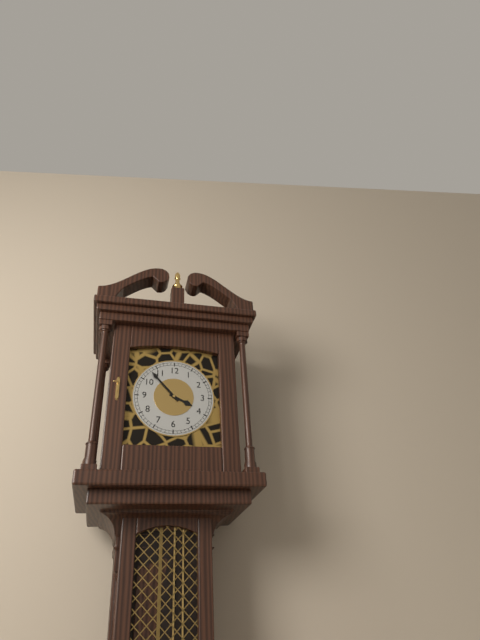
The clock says {"hour": 3, "minute": 53}
